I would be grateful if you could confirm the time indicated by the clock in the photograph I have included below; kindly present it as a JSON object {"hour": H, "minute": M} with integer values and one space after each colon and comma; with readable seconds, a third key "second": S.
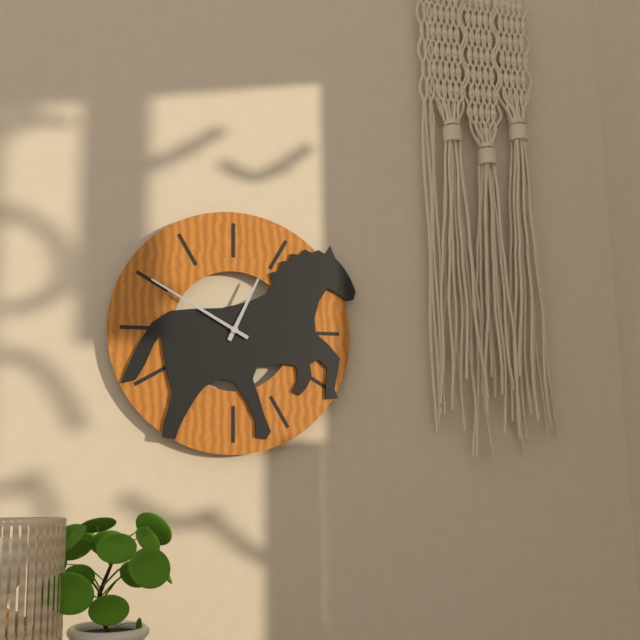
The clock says {"hour": 12, "minute": 50}
